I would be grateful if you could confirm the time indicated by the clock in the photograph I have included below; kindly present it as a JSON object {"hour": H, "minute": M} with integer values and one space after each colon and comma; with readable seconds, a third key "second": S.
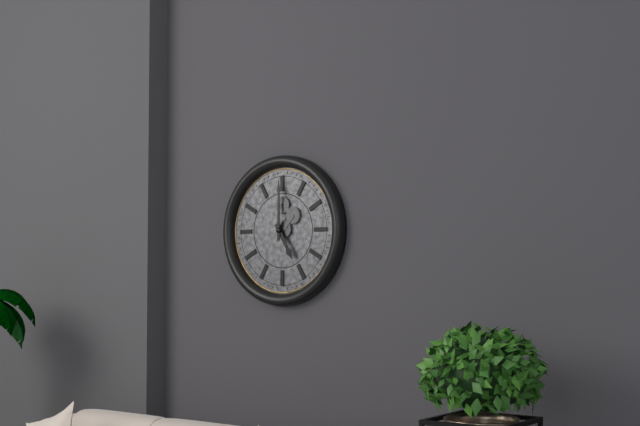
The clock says {"hour": 5, "minute": 0}
